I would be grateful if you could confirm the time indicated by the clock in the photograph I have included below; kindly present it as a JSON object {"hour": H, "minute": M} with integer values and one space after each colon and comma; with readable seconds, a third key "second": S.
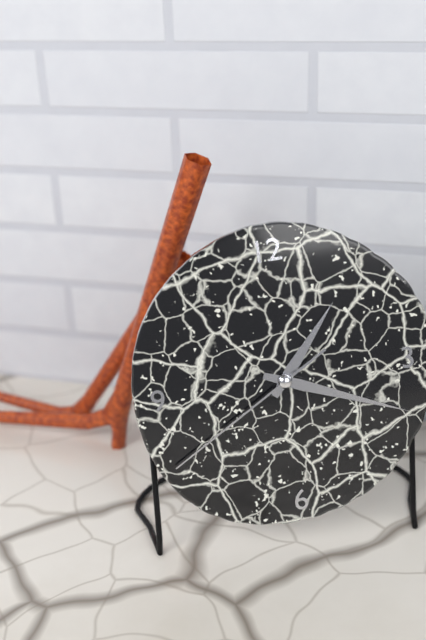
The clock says {"hour": 1, "minute": 19, "second": 40}
